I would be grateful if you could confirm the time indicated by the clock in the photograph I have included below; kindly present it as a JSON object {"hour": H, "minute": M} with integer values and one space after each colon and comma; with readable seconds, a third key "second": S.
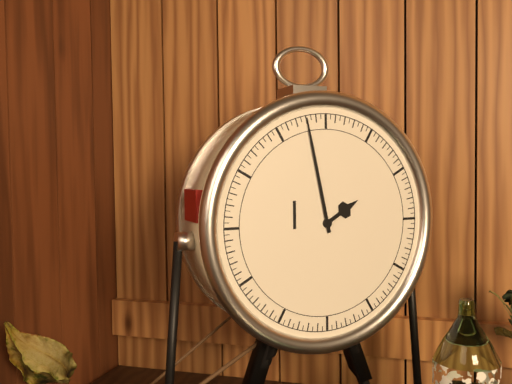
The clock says {"hour": 1, "minute": 58}
